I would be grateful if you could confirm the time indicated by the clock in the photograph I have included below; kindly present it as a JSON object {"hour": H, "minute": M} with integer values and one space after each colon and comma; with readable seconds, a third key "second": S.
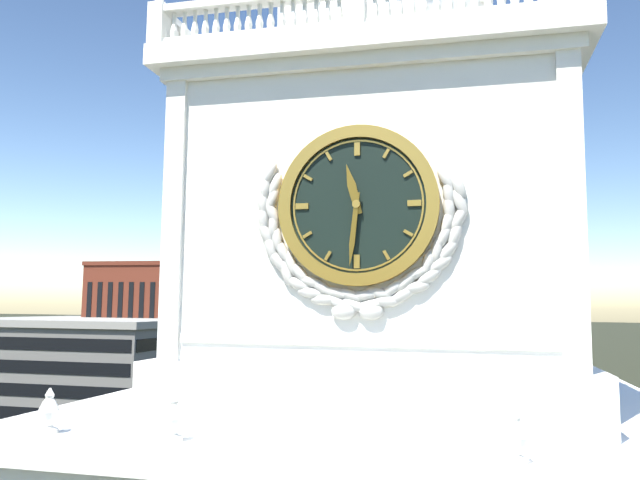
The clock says {"hour": 11, "minute": 31}
